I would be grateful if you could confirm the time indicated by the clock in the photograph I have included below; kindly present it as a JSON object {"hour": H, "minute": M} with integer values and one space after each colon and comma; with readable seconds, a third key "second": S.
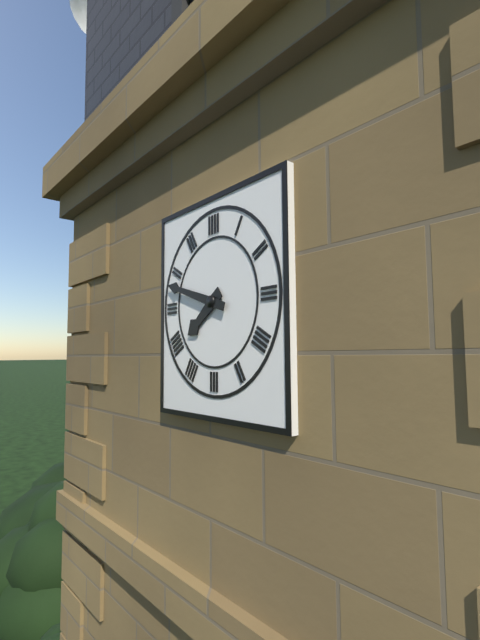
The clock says {"hour": 7, "minute": 48}
